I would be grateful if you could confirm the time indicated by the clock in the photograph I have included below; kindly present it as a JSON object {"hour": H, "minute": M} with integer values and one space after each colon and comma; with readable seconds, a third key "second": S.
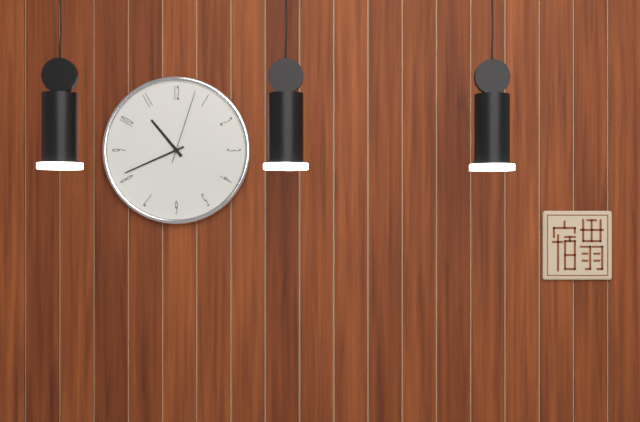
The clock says {"hour": 10, "minute": 41, "second": 3}
